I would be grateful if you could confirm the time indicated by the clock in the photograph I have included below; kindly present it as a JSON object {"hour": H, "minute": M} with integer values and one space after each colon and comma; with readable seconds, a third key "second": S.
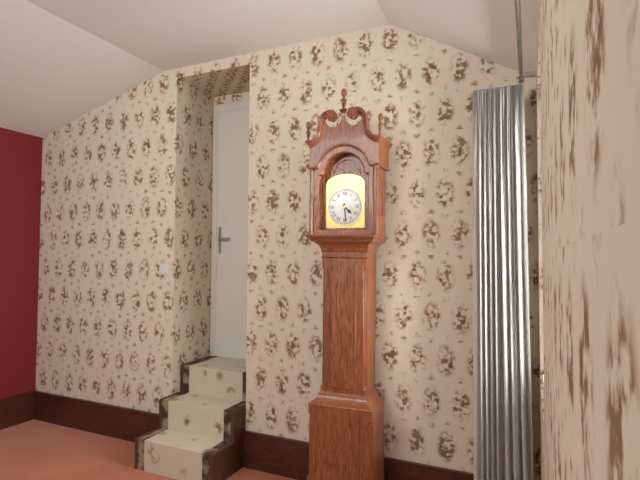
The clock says {"hour": 4, "minute": 29}
